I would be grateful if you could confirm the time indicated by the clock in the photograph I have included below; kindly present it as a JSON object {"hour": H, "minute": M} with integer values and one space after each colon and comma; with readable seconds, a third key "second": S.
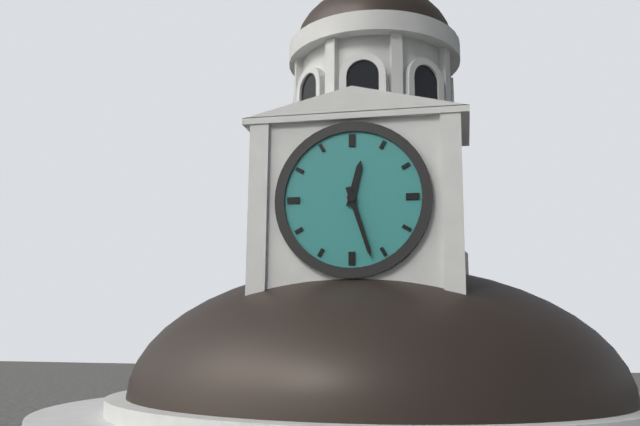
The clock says {"hour": 12, "minute": 27}
